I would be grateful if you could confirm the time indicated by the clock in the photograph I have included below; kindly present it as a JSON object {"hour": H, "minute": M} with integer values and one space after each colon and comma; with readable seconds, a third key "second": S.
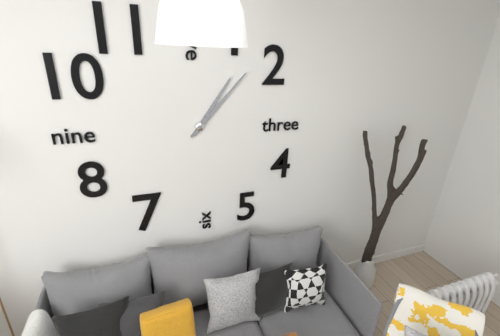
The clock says {"hour": 1, "minute": 7}
